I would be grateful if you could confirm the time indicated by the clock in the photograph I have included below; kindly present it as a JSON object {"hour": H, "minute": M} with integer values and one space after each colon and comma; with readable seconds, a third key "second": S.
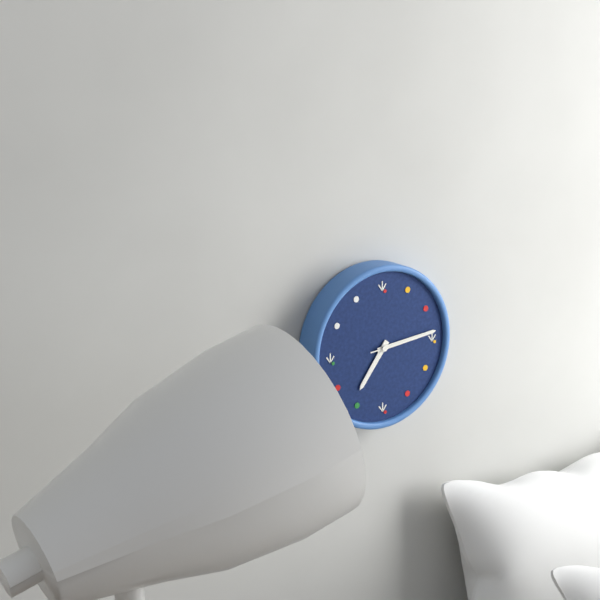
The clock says {"hour": 7, "minute": 14, "second": 14}
